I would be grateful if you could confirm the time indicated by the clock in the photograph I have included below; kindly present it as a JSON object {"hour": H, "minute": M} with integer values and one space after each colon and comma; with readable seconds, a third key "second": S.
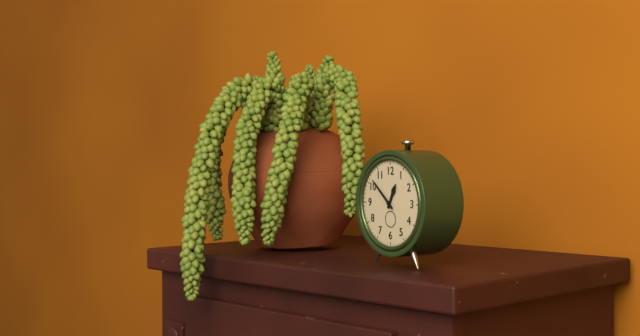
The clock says {"hour": 12, "minute": 52}
